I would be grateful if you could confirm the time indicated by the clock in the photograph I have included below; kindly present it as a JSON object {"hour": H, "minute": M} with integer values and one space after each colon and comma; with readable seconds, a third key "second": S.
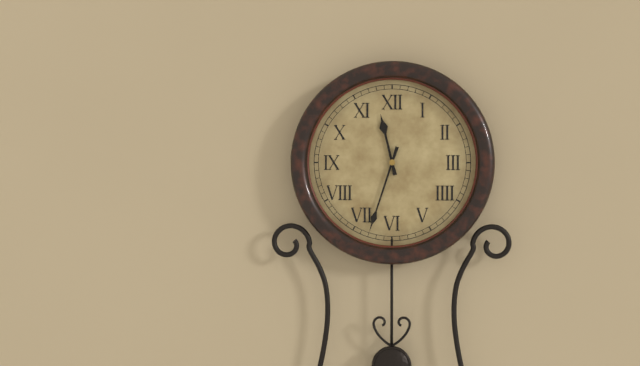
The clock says {"hour": 11, "minute": 33}
